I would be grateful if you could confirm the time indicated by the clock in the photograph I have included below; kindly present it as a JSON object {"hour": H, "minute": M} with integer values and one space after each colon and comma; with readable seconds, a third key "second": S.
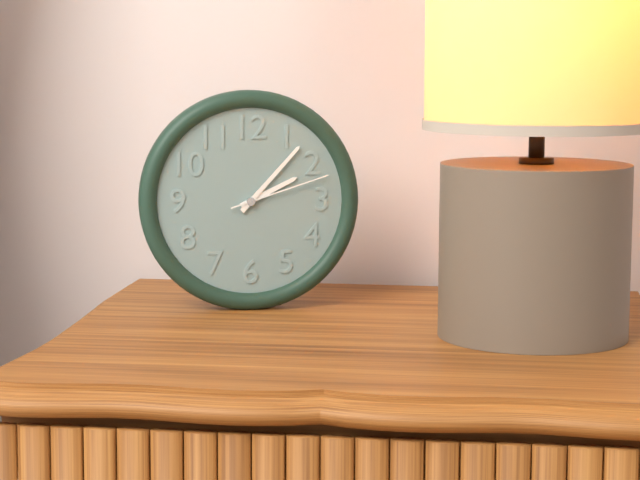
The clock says {"hour": 2, "minute": 7, "second": 12}
